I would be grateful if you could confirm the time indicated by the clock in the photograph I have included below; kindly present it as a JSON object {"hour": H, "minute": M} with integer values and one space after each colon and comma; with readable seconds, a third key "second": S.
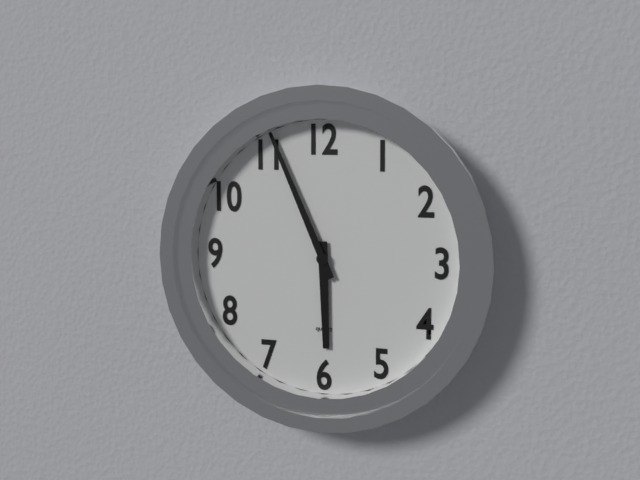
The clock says {"hour": 5, "minute": 56}
